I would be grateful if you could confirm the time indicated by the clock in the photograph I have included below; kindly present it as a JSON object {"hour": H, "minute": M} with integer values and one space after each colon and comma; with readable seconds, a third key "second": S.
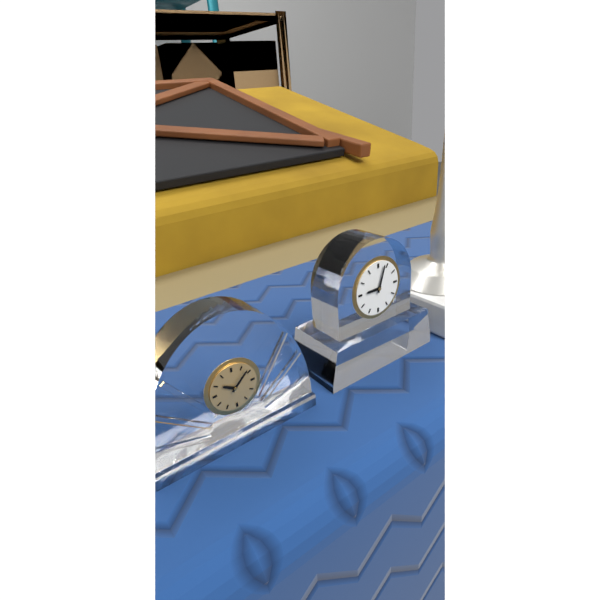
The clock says {"hour": 9, "minute": 3}
